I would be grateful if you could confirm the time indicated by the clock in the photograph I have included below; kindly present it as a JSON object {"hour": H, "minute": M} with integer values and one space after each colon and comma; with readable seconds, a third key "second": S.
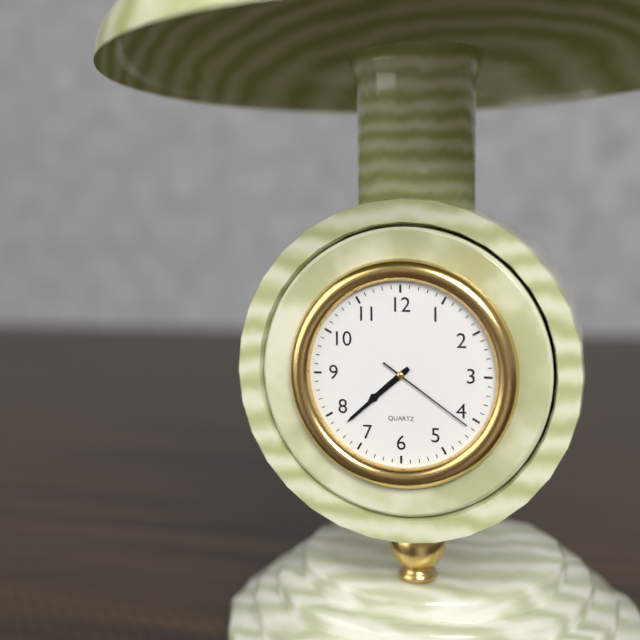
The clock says {"hour": 7, "minute": 38, "second": 21}
